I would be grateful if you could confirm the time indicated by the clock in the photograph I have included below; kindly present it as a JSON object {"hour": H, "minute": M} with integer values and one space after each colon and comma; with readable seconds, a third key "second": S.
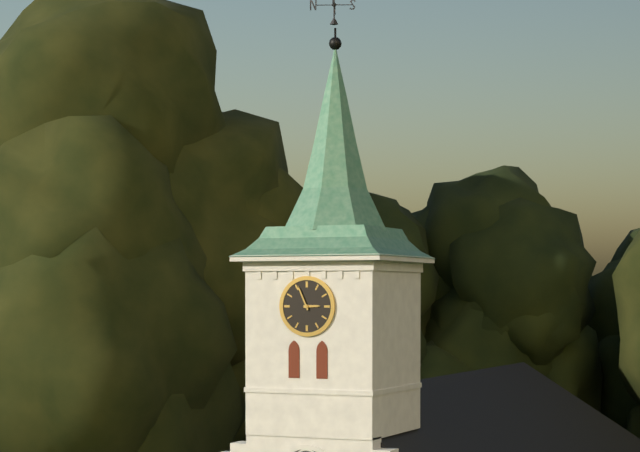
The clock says {"hour": 2, "minute": 56}
